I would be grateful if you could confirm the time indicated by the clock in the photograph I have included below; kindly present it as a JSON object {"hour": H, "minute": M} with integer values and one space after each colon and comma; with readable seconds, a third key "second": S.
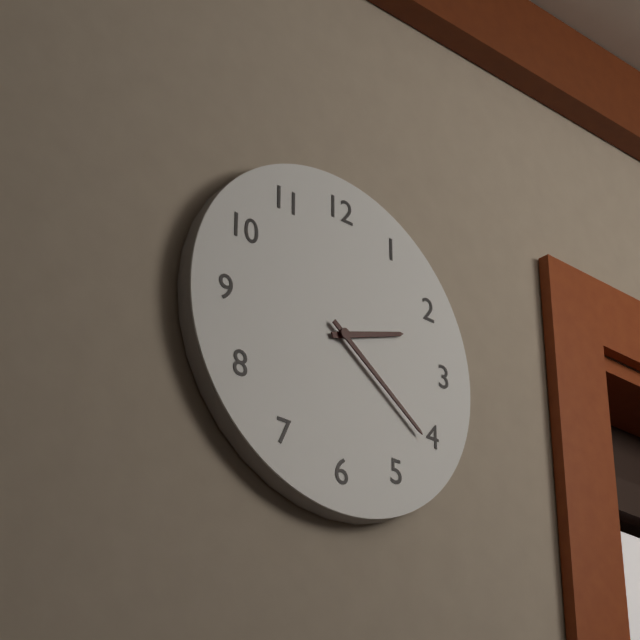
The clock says {"hour": 2, "minute": 21}
